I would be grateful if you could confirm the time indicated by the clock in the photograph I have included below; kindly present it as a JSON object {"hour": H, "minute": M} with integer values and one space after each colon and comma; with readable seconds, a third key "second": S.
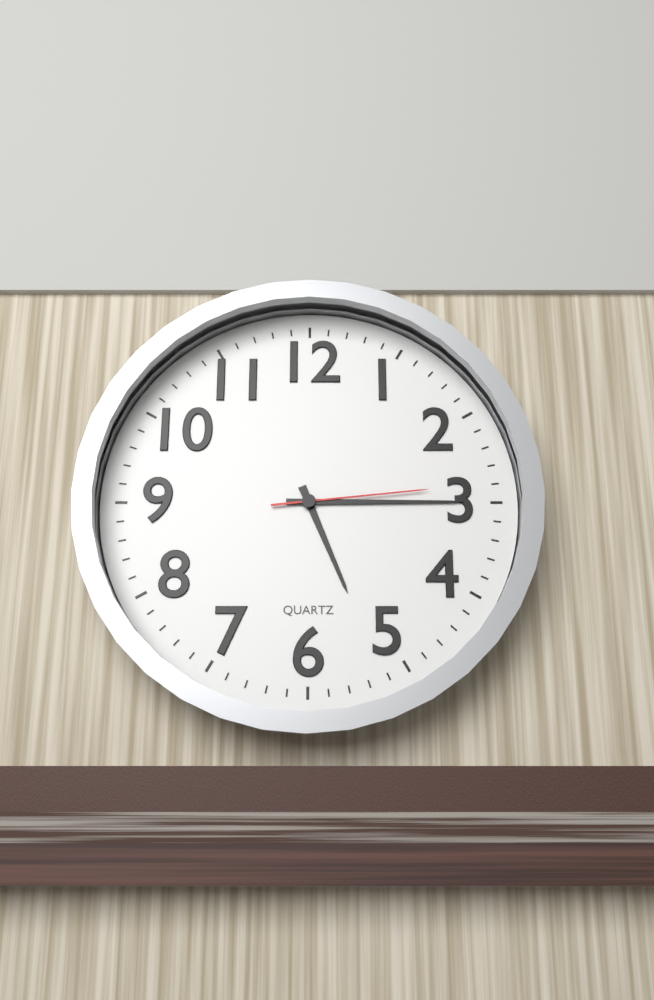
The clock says {"hour": 5, "minute": 15, "second": 14}
